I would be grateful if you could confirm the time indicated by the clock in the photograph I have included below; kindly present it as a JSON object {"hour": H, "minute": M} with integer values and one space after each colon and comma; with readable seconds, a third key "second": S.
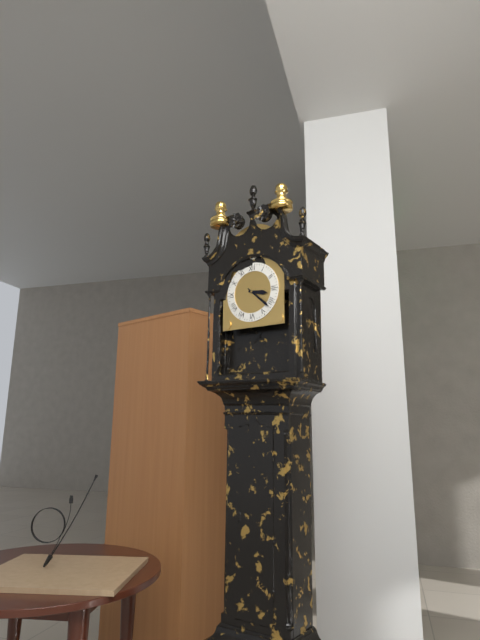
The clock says {"hour": 3, "minute": 22}
